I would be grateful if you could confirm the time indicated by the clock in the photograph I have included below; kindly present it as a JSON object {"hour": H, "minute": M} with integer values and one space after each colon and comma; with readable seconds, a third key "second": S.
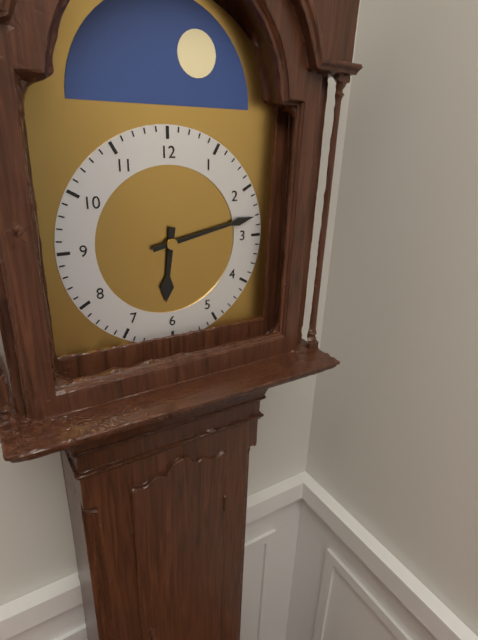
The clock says {"hour": 6, "minute": 13}
